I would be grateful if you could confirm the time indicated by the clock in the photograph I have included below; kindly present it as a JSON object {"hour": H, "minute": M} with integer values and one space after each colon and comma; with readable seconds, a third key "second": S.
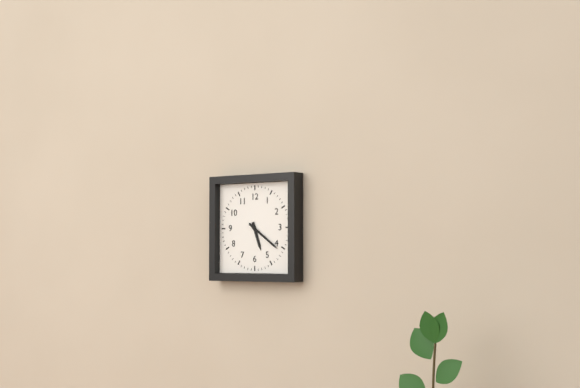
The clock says {"hour": 5, "minute": 21}
